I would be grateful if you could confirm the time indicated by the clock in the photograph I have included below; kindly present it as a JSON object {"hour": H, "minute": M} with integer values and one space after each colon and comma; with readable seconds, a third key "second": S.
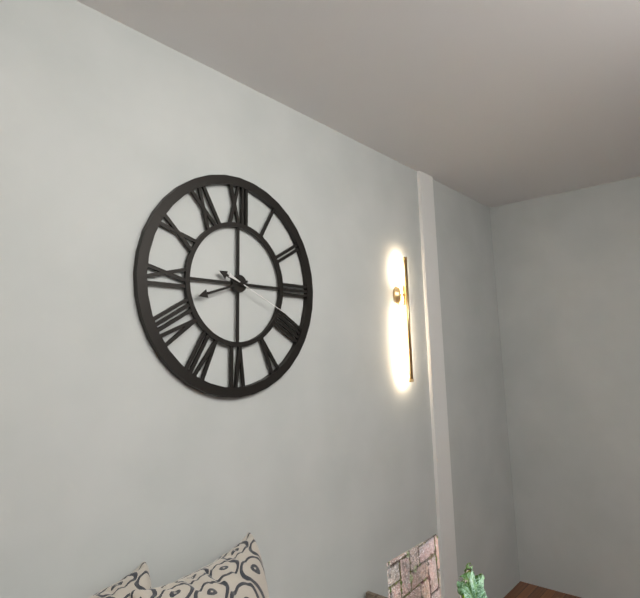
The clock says {"hour": 9, "minute": 42, "second": 19}
